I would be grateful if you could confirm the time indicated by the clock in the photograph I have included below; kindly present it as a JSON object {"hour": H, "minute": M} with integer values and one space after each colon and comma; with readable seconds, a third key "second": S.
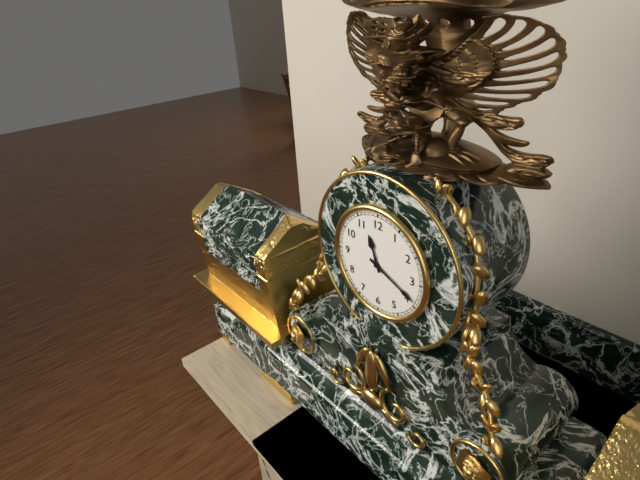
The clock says {"hour": 11, "minute": 19}
